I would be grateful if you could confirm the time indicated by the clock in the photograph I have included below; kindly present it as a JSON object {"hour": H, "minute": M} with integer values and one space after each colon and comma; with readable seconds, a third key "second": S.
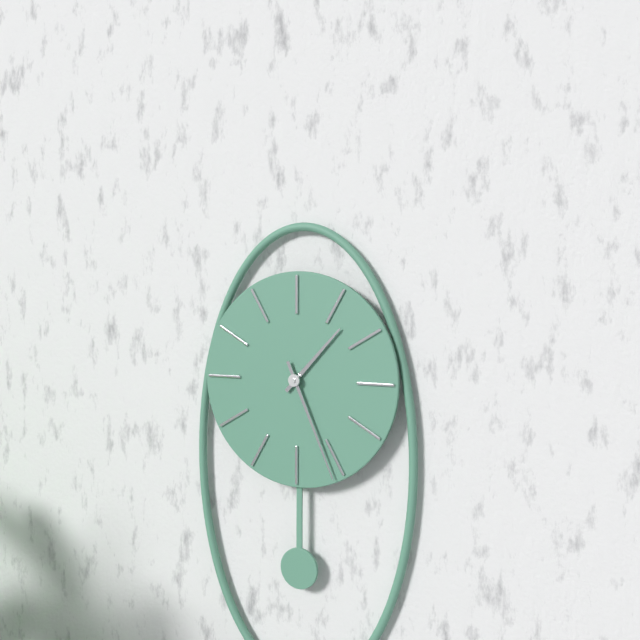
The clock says {"hour": 1, "minute": 26}
